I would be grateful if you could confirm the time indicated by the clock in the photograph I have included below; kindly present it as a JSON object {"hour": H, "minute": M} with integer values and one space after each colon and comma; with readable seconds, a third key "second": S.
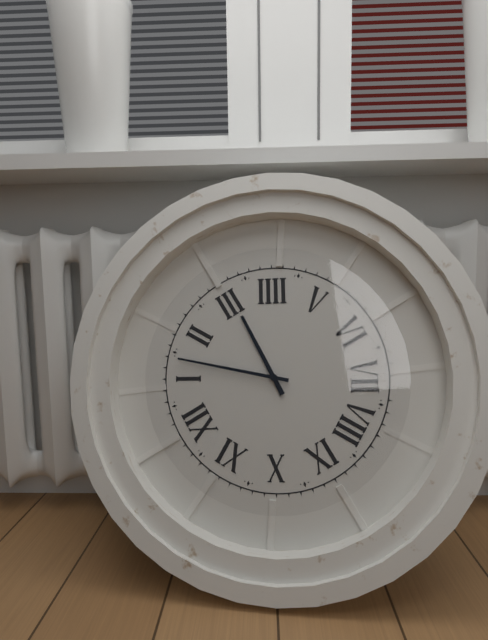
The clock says {"hour": 3, "minute": 7}
